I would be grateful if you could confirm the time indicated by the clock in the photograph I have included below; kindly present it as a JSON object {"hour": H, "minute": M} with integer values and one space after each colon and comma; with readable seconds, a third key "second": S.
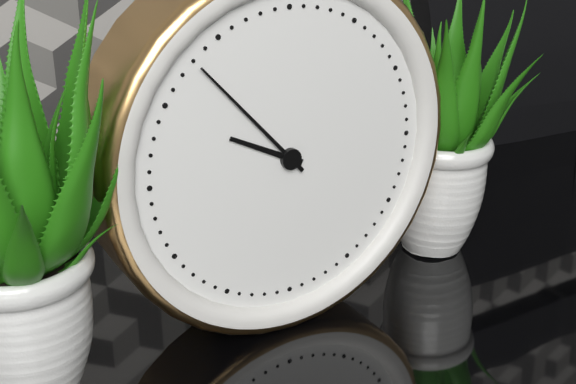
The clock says {"hour": 9, "minute": 53}
